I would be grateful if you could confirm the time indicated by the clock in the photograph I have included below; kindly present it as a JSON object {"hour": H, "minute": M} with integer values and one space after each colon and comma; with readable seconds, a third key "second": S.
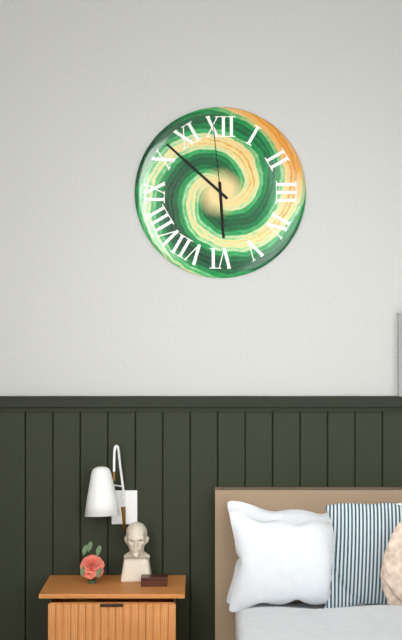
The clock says {"hour": 5, "minute": 52, "second": 59}
